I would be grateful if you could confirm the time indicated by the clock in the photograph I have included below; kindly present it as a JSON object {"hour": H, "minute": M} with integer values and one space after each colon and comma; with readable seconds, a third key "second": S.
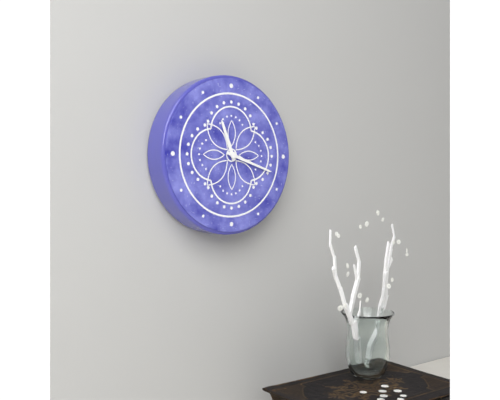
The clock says {"hour": 11, "minute": 18}
